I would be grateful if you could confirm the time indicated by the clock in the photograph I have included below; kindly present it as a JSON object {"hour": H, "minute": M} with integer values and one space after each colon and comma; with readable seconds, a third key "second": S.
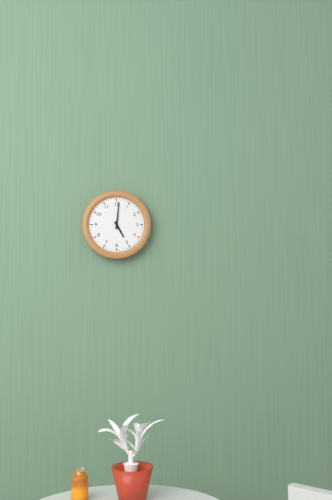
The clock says {"hour": 5, "minute": 1}
